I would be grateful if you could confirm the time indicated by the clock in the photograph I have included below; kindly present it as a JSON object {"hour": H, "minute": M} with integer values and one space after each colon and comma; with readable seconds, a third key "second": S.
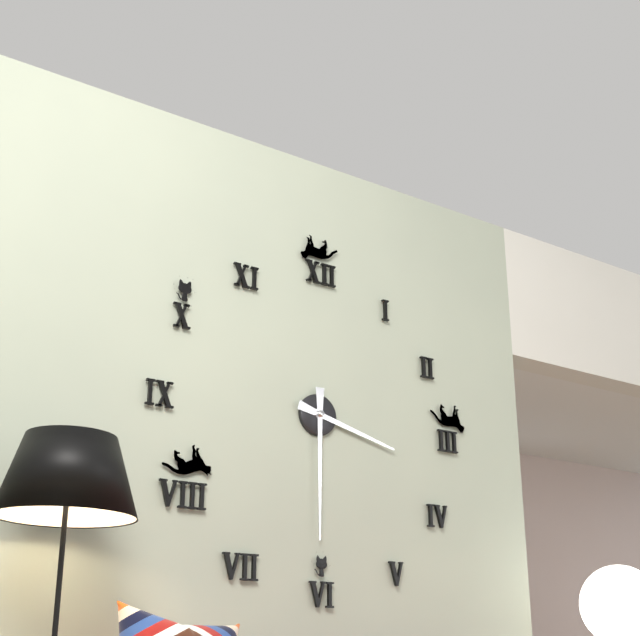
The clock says {"hour": 3, "minute": 30}
